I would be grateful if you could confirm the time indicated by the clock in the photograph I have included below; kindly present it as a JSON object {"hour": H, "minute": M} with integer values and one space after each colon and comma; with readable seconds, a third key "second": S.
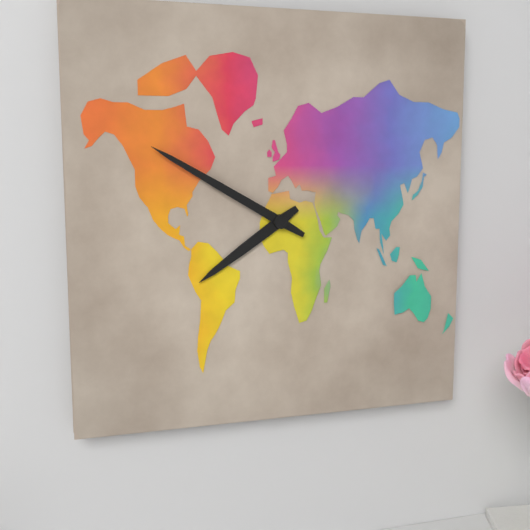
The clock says {"hour": 7, "minute": 50}
